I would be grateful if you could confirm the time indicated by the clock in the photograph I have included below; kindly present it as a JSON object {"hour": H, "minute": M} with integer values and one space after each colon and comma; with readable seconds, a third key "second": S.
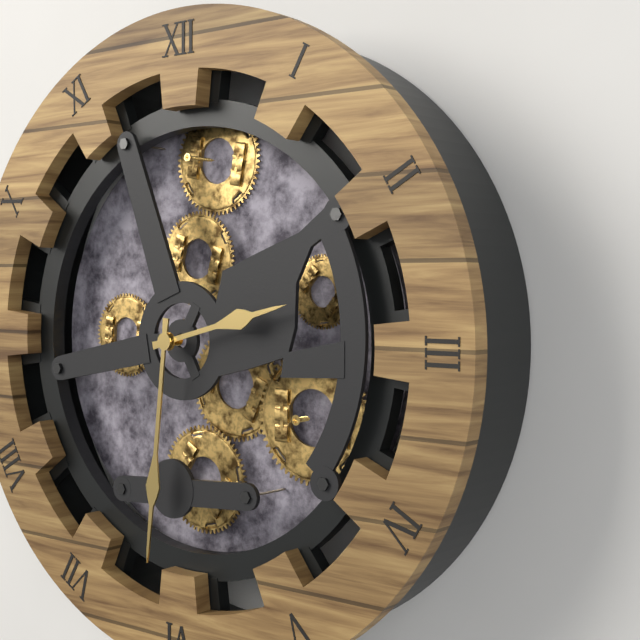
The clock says {"hour": 2, "minute": 31}
